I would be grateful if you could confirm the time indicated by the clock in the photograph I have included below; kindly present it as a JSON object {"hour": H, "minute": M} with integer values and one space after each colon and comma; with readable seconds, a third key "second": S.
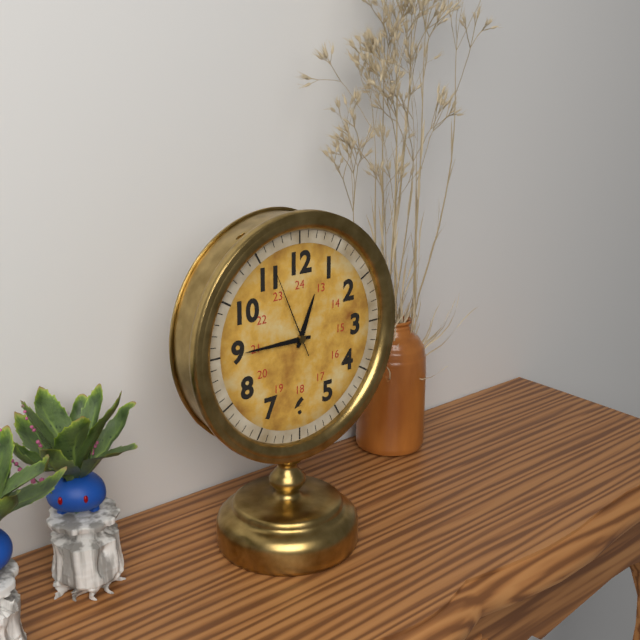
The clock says {"hour": 12, "minute": 45, "second": 56}
